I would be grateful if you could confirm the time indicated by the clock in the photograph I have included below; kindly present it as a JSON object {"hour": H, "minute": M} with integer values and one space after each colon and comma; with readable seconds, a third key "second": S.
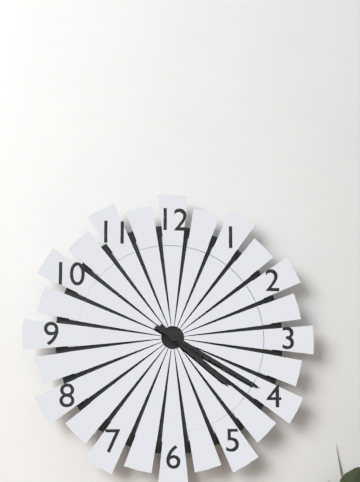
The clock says {"hour": 4, "minute": 20}
